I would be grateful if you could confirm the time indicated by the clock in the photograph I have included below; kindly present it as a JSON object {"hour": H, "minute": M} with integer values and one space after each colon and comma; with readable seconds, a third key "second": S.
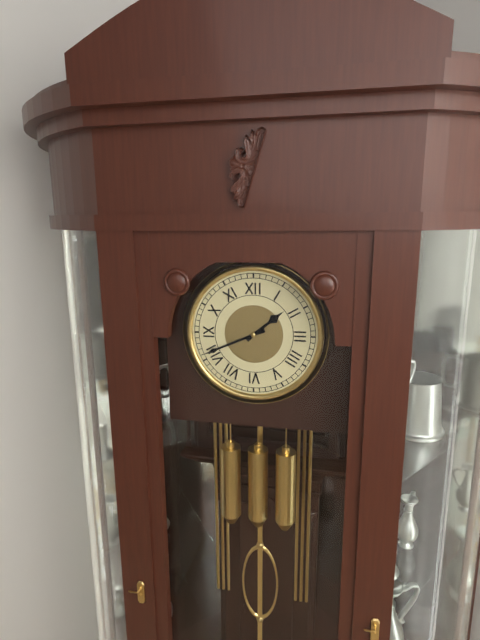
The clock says {"hour": 1, "minute": 41}
